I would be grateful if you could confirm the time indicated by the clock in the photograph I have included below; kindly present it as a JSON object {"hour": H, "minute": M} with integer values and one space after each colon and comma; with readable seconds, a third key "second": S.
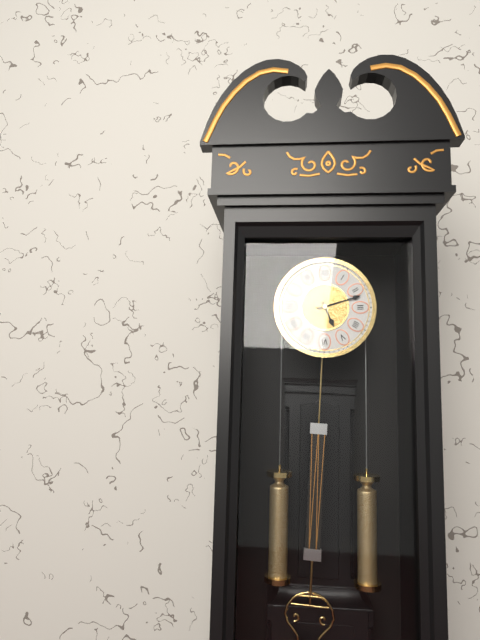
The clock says {"hour": 5, "minute": 12}
